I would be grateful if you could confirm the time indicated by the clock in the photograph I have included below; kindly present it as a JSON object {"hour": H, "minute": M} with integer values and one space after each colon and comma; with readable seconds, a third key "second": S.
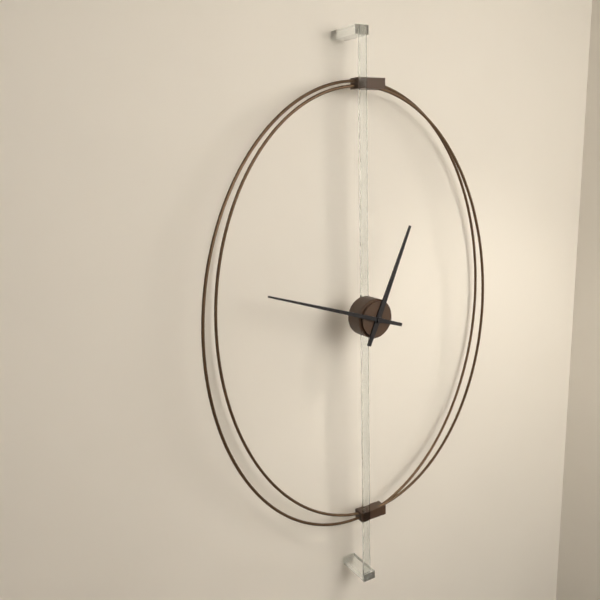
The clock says {"hour": 12, "minute": 48}
